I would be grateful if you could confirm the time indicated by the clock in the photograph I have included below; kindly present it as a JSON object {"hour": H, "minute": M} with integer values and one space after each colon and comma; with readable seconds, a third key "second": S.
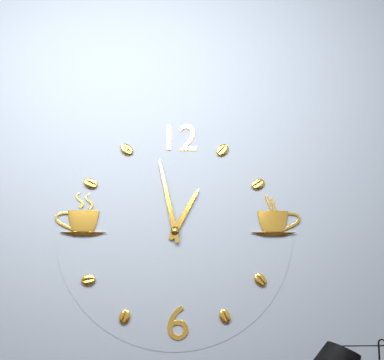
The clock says {"hour": 12, "minute": 58}
